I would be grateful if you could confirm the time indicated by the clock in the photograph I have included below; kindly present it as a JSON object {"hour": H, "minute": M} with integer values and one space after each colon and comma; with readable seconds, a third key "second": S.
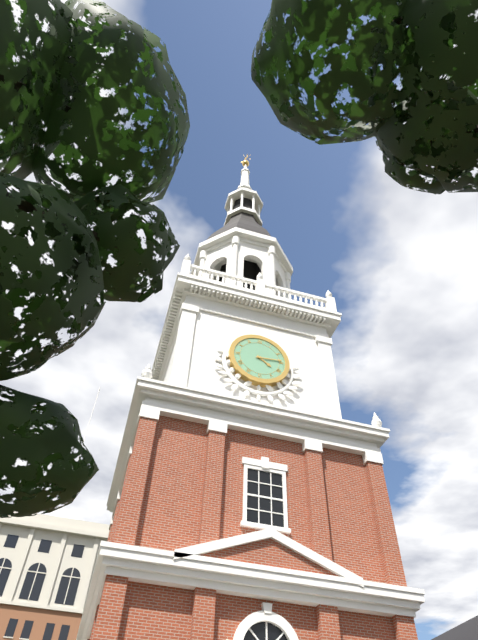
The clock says {"hour": 4, "minute": 14}
